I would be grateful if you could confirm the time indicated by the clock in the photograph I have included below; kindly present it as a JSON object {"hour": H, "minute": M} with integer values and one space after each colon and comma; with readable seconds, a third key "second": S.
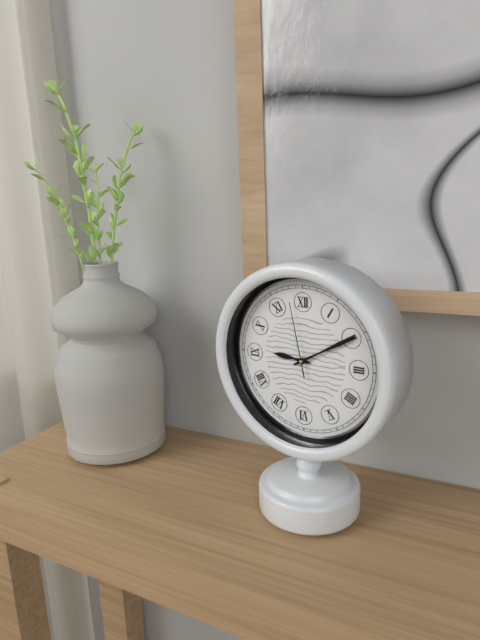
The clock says {"hour": 9, "minute": 10, "second": 58}
